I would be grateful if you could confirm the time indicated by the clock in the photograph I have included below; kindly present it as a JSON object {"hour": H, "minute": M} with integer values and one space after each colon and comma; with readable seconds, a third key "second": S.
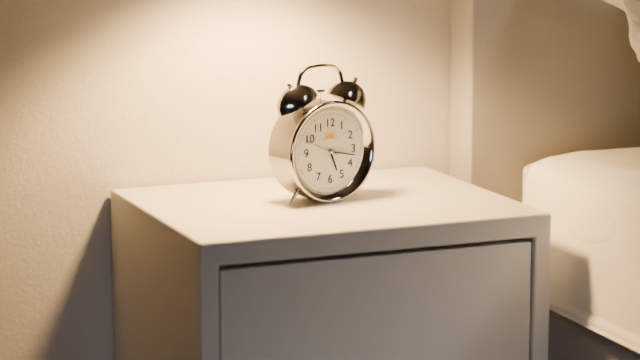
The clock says {"hour": 5, "minute": 17}
